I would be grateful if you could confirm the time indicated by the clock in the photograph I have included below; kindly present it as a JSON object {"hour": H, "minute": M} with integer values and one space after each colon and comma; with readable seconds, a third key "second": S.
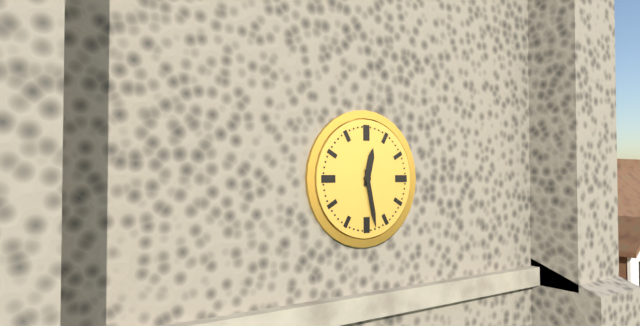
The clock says {"hour": 12, "minute": 28}
